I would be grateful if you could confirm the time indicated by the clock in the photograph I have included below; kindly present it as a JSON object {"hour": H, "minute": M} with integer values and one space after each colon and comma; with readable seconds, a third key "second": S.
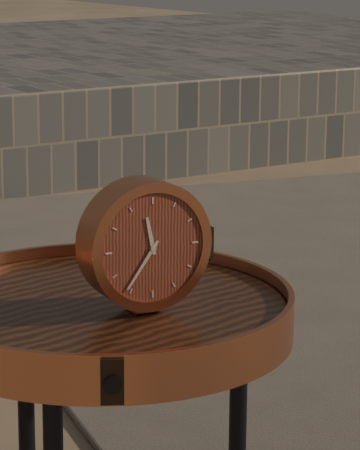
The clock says {"hour": 11, "minute": 36}
